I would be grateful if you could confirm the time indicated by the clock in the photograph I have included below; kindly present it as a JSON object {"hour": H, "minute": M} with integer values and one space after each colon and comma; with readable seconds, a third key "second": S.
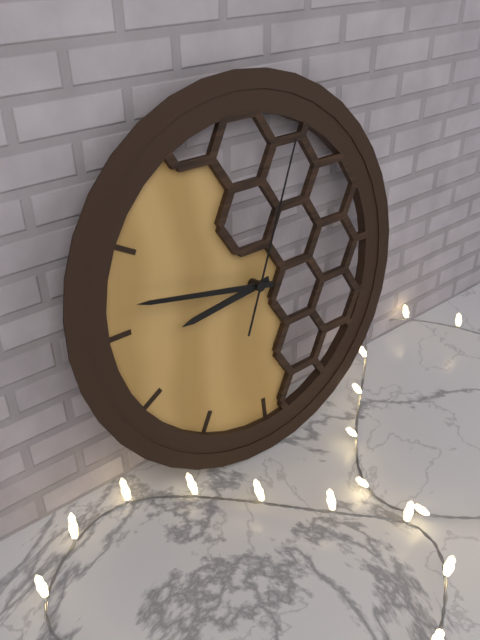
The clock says {"hour": 8, "minute": 47, "second": 4}
